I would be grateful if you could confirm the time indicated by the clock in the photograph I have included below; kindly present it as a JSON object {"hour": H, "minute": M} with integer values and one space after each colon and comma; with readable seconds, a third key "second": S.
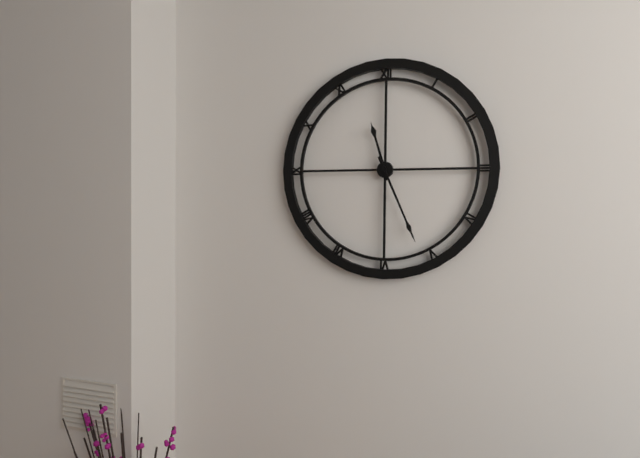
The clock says {"hour": 11, "minute": 26}
